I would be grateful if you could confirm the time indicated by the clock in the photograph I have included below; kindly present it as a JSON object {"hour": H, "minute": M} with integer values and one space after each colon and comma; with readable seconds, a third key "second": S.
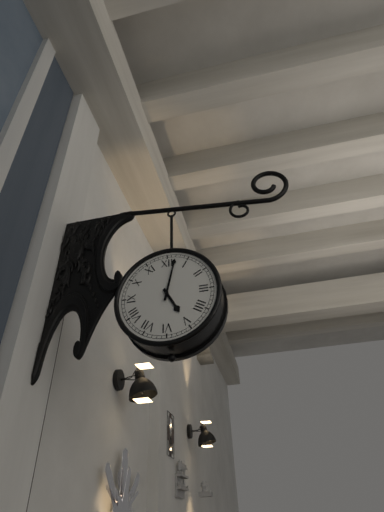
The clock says {"hour": 5, "minute": 2}
